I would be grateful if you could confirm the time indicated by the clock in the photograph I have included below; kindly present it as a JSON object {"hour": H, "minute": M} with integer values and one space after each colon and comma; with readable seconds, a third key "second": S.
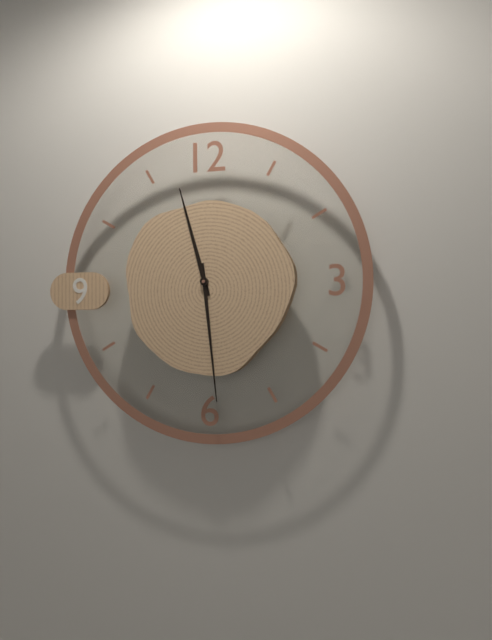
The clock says {"hour": 11, "minute": 29}
